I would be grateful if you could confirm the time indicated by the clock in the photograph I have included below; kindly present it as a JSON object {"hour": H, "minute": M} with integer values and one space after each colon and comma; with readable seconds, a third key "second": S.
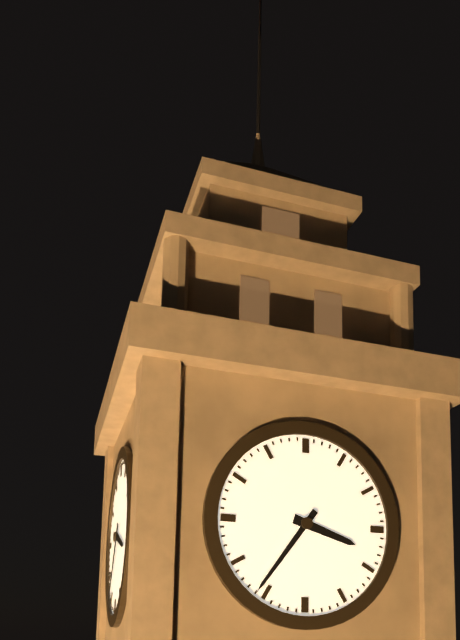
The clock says {"hour": 3, "minute": 36}
